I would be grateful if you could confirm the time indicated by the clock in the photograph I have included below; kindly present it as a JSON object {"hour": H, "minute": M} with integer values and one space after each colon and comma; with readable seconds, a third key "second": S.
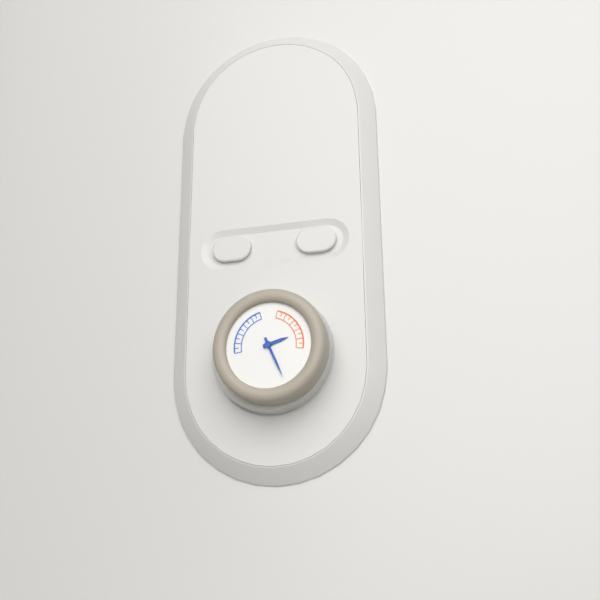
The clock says {"hour": 2, "minute": 26}
